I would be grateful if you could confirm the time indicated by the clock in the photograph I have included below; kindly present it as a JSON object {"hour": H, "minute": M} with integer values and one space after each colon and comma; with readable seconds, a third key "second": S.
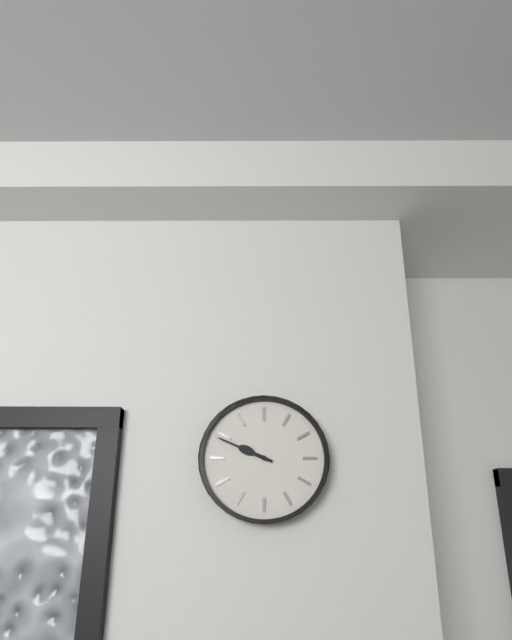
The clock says {"hour": 9, "minute": 49}
